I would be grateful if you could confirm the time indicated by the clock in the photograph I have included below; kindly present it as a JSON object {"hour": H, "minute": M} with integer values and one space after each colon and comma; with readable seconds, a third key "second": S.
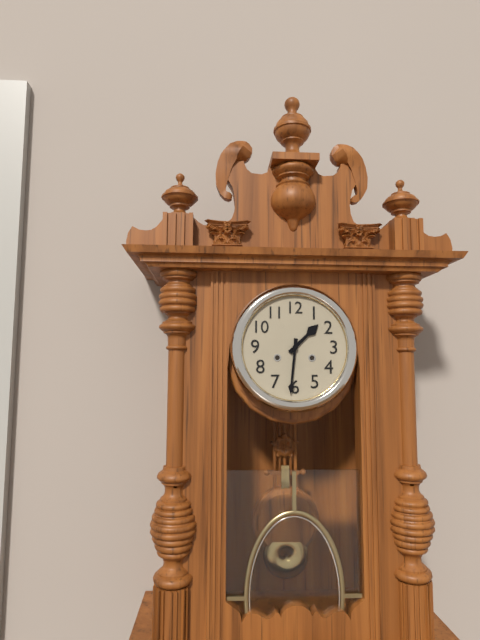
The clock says {"hour": 1, "minute": 31}
